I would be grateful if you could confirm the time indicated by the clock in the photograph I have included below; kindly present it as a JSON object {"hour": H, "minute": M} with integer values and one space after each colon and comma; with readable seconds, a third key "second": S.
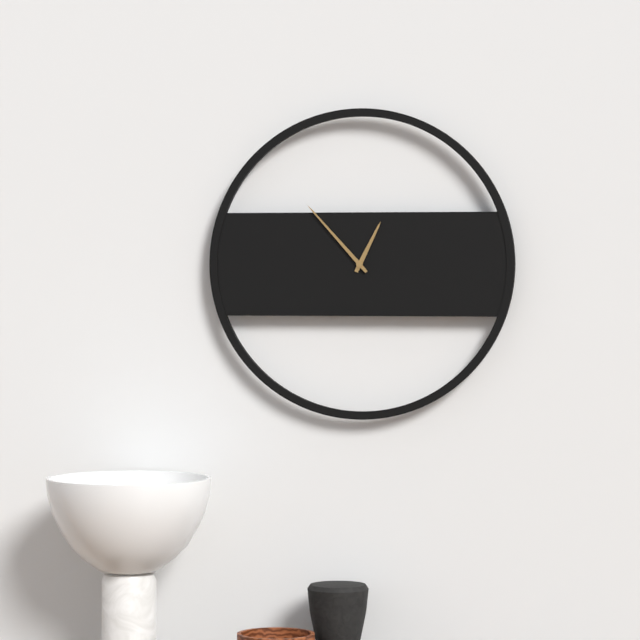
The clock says {"hour": 12, "minute": 53}
